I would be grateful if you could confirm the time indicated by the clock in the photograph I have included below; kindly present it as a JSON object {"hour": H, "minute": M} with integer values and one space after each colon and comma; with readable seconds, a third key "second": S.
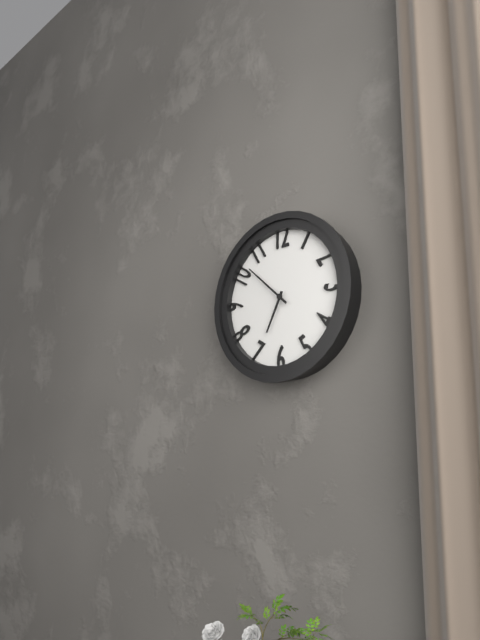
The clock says {"hour": 6, "minute": 52}
